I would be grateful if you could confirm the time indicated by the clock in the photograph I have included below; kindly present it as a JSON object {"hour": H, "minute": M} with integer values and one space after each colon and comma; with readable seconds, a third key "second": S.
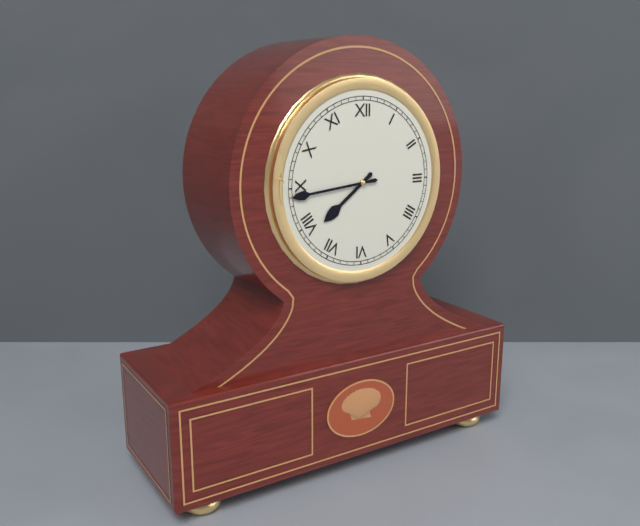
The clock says {"hour": 7, "minute": 44}
